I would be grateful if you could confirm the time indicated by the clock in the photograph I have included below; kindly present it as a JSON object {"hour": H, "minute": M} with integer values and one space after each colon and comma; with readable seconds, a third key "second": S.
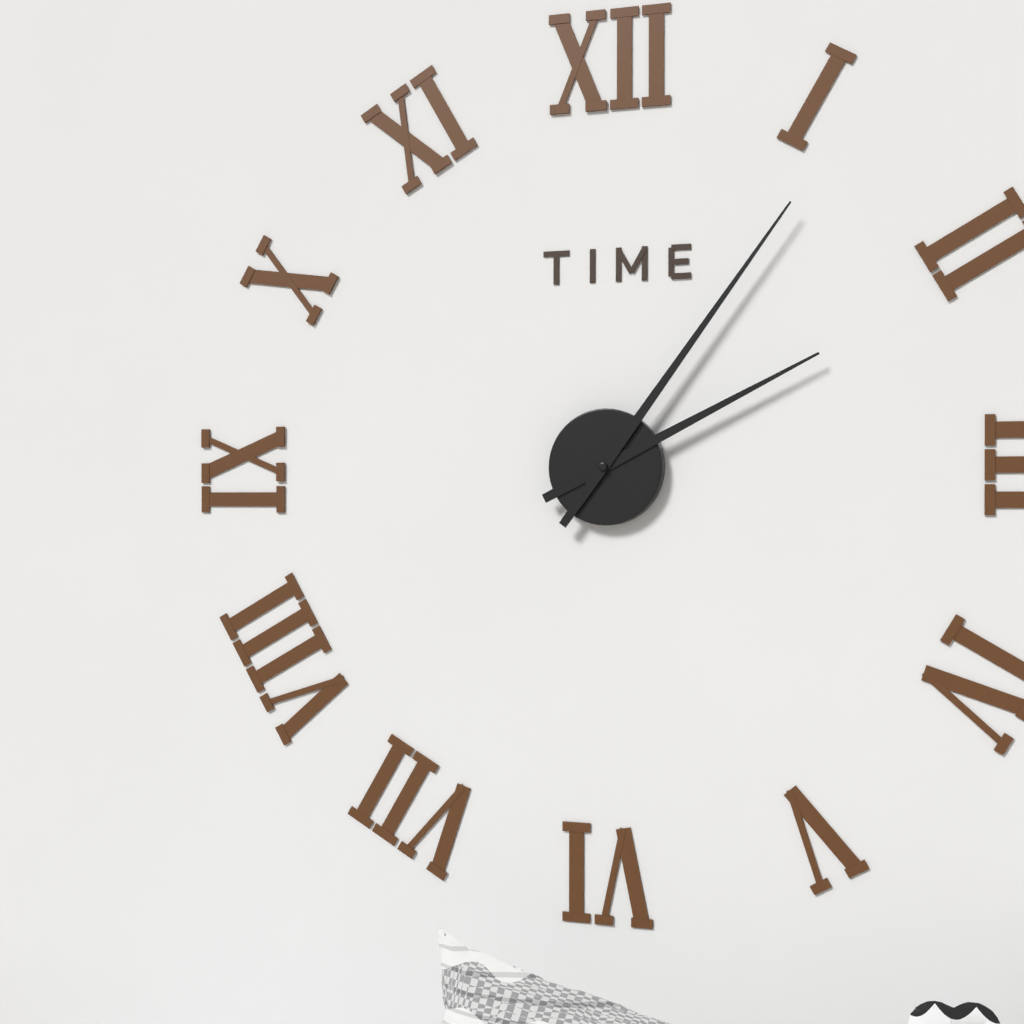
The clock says {"hour": 2, "minute": 6}
